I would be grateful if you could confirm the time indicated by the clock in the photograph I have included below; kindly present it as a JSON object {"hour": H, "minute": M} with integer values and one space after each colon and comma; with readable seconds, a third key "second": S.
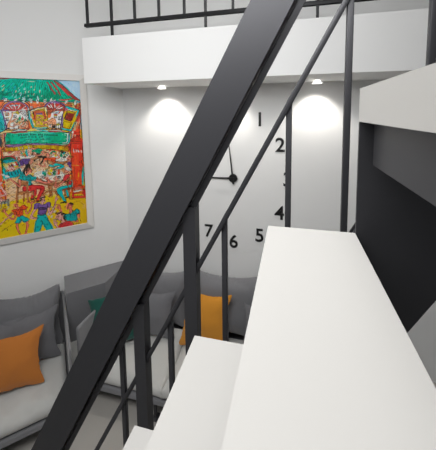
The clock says {"hour": 8, "minute": 59}
